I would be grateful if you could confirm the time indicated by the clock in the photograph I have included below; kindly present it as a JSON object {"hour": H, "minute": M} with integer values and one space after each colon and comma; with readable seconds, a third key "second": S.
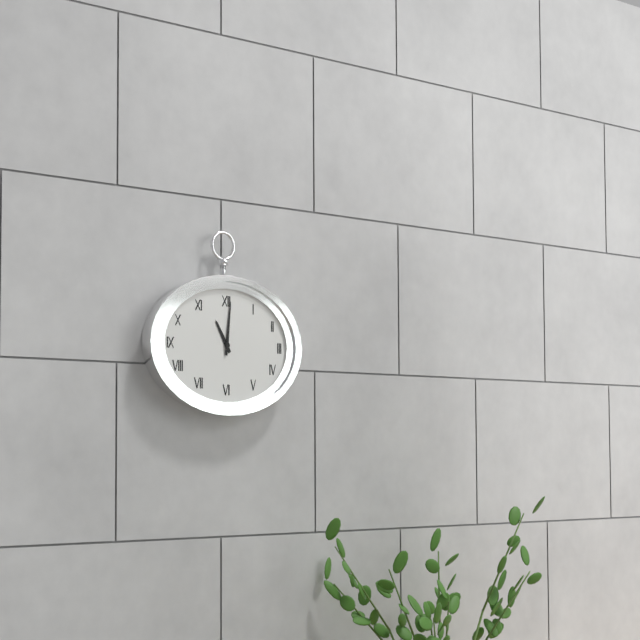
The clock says {"hour": 11, "minute": 1}
